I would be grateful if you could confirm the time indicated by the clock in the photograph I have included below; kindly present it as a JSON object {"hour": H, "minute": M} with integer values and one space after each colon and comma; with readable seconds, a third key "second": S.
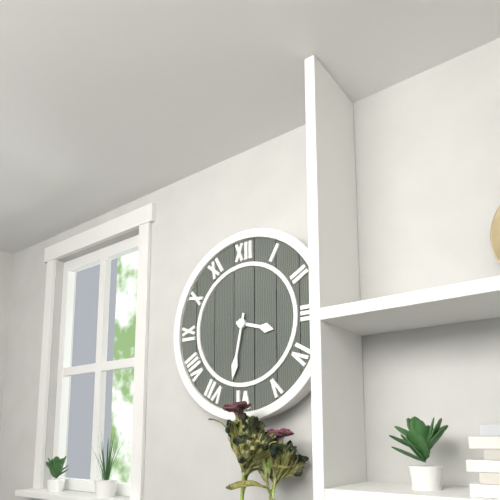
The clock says {"hour": 3, "minute": 32}
